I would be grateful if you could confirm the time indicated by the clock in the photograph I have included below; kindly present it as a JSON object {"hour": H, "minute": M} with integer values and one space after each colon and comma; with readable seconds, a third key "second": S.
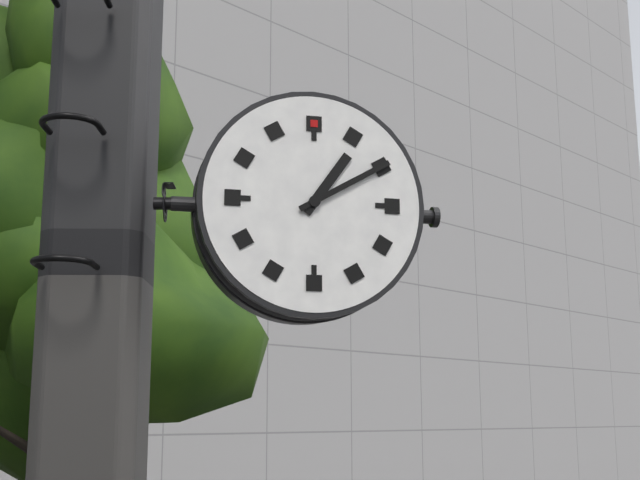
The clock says {"hour": 1, "minute": 10}
